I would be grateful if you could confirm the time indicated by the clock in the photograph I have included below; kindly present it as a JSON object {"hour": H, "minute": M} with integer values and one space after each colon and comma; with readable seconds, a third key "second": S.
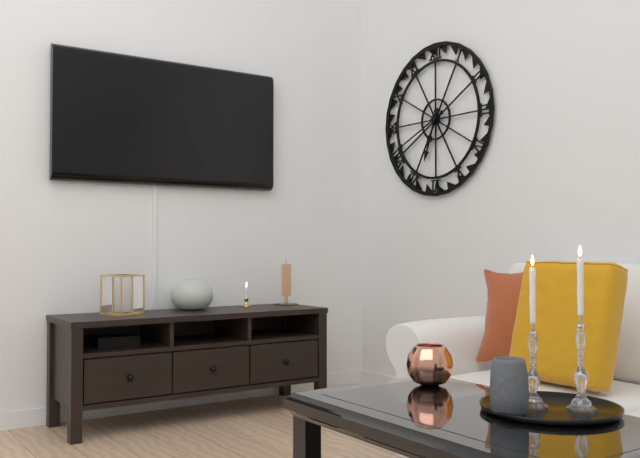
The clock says {"hour": 6, "minute": 41}
